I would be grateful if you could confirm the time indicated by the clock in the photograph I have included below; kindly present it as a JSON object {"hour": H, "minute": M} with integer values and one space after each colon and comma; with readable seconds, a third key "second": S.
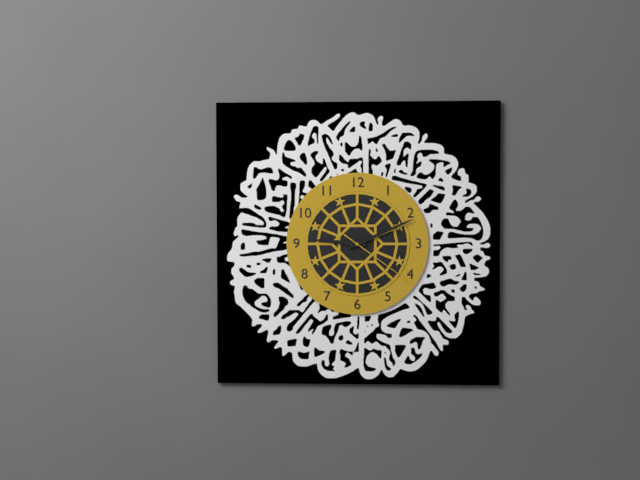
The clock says {"hour": 9, "minute": 11, "second": 21}
